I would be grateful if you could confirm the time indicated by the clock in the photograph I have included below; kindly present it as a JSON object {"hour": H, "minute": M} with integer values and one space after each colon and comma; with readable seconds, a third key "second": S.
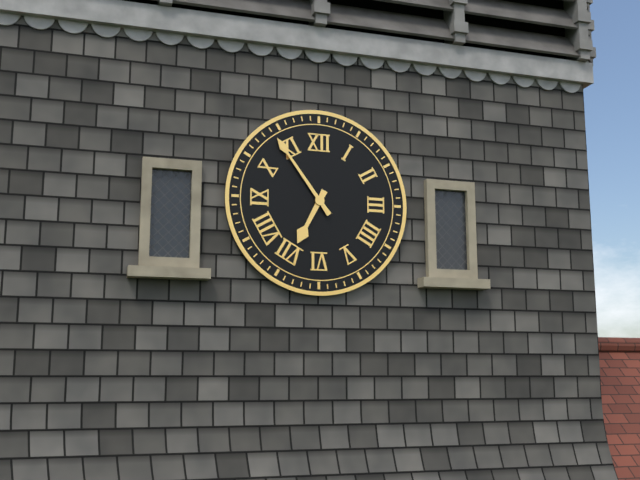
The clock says {"hour": 6, "minute": 54}
